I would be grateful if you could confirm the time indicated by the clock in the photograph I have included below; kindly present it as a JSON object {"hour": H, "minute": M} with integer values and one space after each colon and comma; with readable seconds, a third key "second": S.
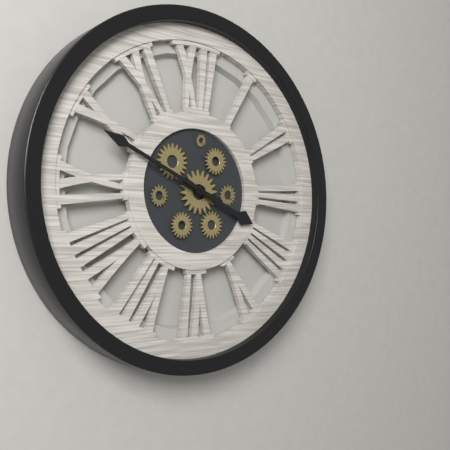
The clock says {"hour": 3, "minute": 49}
